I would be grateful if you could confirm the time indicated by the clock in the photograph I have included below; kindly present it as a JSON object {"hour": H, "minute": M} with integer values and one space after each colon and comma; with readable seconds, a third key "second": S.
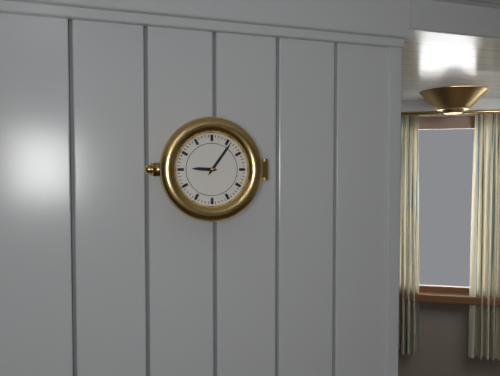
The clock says {"hour": 9, "minute": 6}
